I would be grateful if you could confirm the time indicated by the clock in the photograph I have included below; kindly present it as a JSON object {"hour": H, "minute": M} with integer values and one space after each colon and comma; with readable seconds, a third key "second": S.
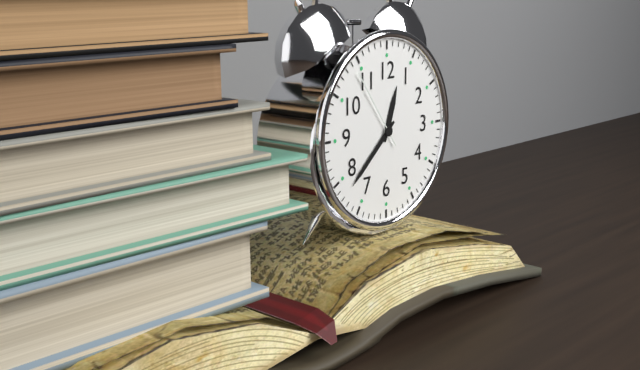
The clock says {"hour": 12, "minute": 38, "second": 54}
